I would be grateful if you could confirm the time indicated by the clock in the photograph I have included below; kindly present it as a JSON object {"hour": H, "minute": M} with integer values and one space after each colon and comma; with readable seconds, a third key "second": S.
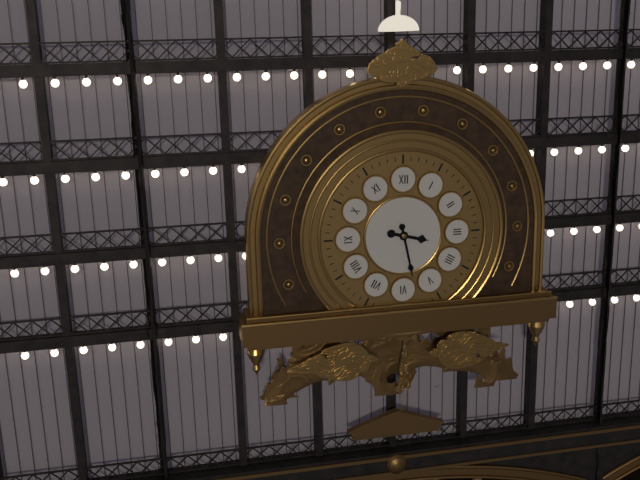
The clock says {"hour": 3, "minute": 28}
